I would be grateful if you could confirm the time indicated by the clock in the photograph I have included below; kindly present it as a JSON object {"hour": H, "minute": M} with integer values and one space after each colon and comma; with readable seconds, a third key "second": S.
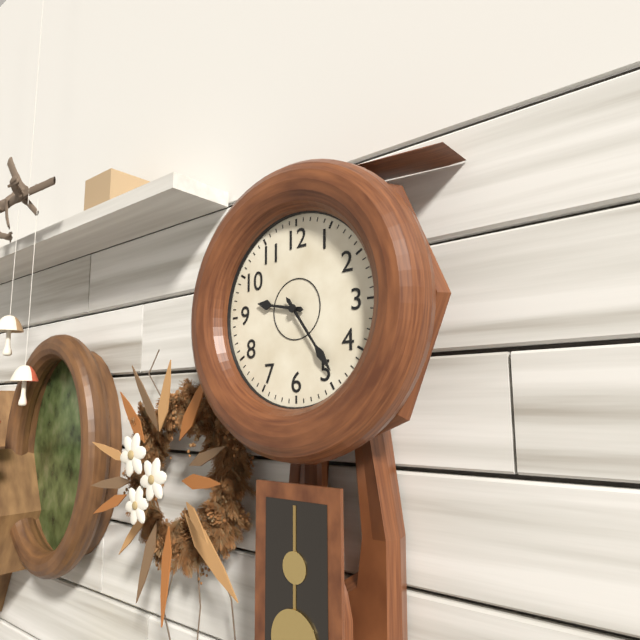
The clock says {"hour": 9, "minute": 24}
